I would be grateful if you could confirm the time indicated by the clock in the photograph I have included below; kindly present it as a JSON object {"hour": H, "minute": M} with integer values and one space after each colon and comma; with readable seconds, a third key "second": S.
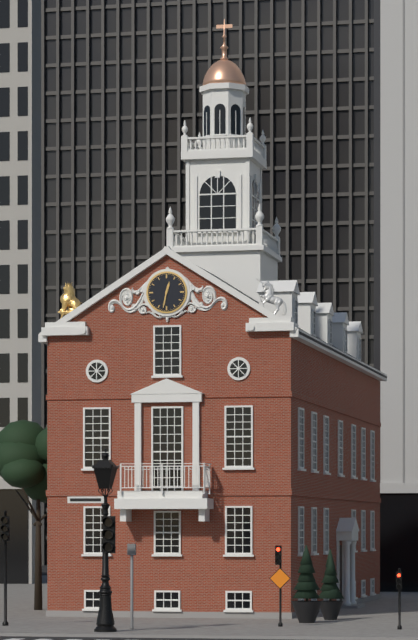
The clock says {"hour": 12, "minute": 32}
